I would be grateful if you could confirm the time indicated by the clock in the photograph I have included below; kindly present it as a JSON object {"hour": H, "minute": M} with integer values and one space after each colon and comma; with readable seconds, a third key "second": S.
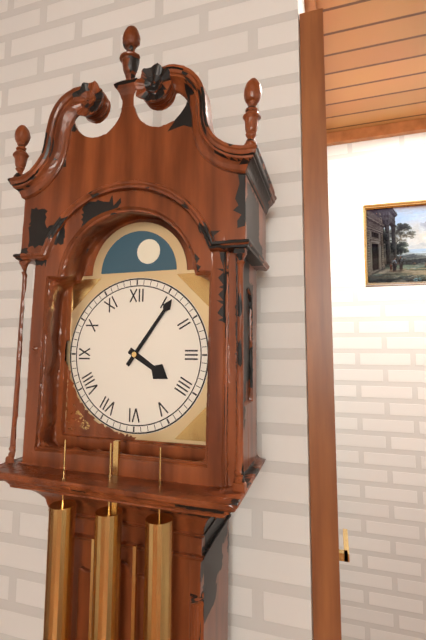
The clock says {"hour": 4, "minute": 6}
